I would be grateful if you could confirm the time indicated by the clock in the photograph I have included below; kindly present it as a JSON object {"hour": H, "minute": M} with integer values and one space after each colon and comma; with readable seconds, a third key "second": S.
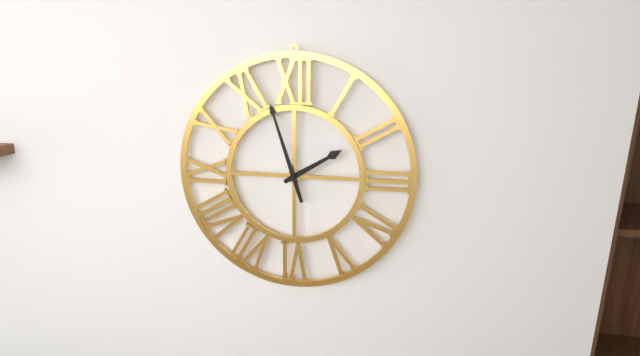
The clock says {"hour": 1, "minute": 57}
